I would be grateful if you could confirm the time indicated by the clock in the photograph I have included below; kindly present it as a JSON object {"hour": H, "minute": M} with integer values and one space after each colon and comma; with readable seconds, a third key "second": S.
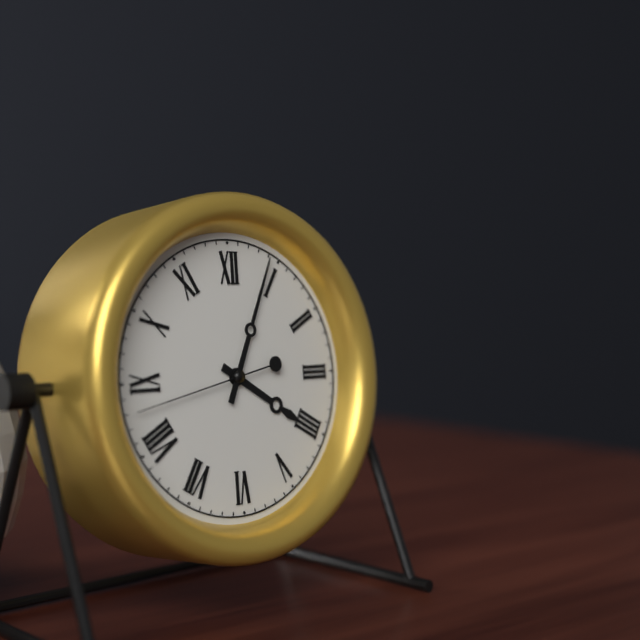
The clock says {"hour": 4, "minute": 4, "second": 43}
